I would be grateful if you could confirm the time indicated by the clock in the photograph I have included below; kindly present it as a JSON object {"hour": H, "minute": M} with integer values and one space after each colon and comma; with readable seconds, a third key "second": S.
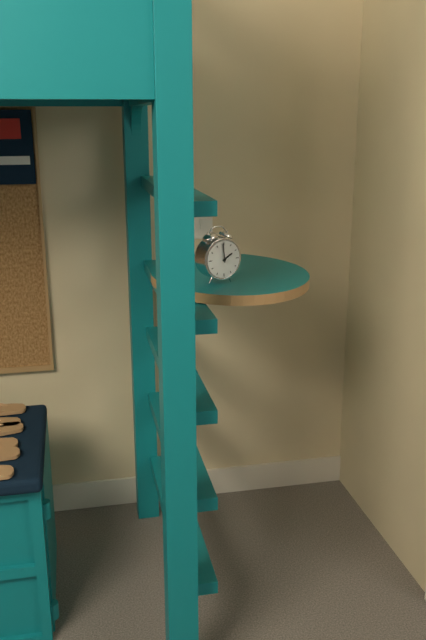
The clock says {"hour": 1, "minute": 59}
